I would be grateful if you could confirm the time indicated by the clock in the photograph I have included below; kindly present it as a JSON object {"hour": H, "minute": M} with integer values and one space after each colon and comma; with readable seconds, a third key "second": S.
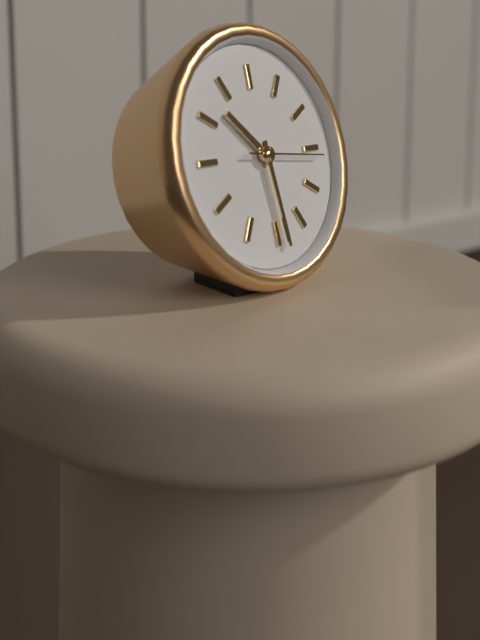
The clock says {"hour": 10, "minute": 29, "second": 16}
